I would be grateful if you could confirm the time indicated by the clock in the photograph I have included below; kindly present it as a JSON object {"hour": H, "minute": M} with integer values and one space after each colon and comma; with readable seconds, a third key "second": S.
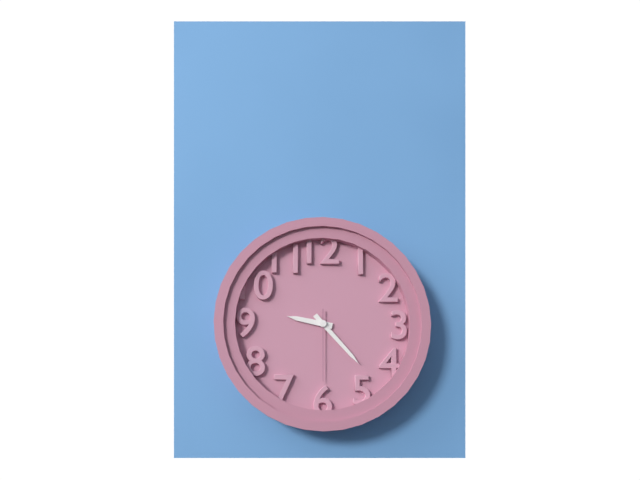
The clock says {"hour": 9, "minute": 23, "second": 30}
